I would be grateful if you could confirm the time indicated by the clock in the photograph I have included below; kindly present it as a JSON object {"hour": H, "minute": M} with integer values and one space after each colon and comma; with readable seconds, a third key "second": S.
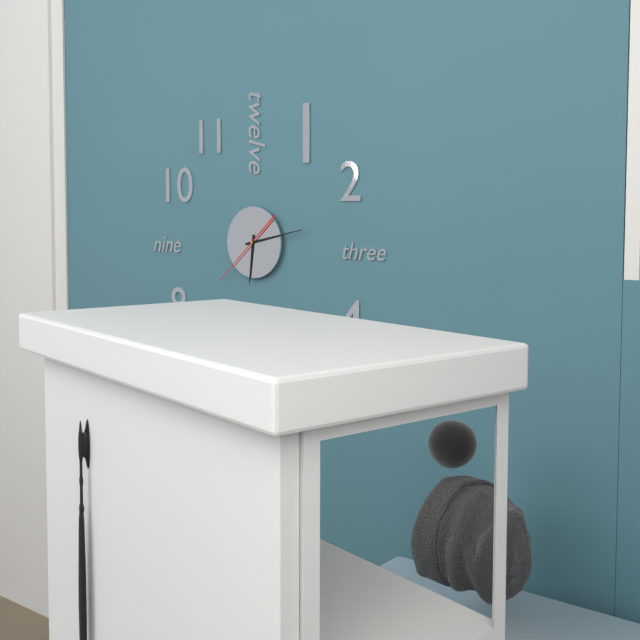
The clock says {"hour": 6, "minute": 13, "second": 38}
